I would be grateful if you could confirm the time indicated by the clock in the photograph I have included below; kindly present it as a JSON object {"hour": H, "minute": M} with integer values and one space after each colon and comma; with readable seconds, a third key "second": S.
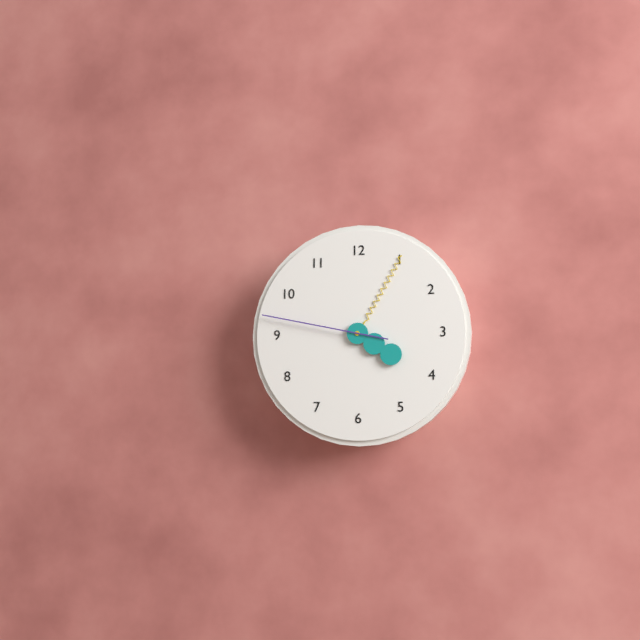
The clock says {"hour": 4, "minute": 5, "second": 47}
